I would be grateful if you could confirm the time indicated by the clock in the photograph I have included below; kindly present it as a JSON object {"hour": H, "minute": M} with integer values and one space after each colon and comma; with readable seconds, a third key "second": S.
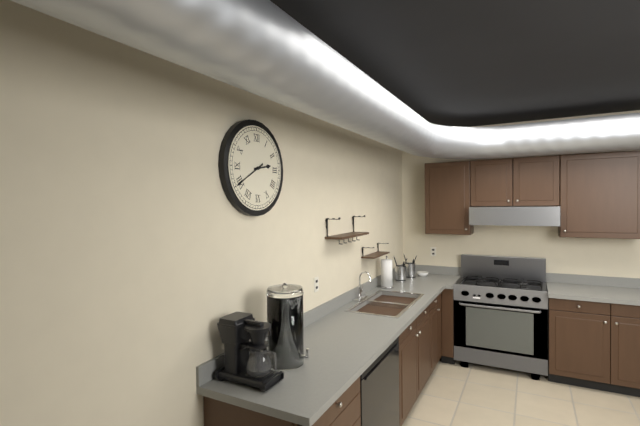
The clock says {"hour": 2, "minute": 40}
